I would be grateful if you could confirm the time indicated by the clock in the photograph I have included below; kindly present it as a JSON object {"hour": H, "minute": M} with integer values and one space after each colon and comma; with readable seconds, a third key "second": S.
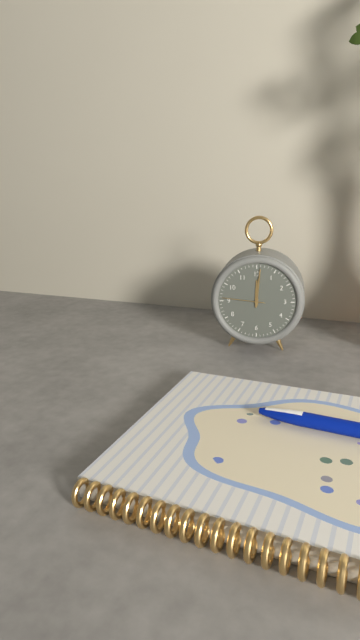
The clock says {"hour": 12, "minute": 1}
